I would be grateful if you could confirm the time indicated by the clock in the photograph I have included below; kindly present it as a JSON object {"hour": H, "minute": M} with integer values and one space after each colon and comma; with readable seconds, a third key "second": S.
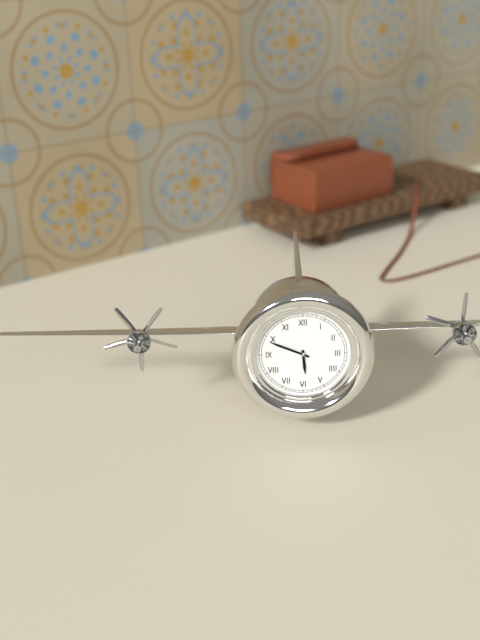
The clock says {"hour": 5, "minute": 49}
